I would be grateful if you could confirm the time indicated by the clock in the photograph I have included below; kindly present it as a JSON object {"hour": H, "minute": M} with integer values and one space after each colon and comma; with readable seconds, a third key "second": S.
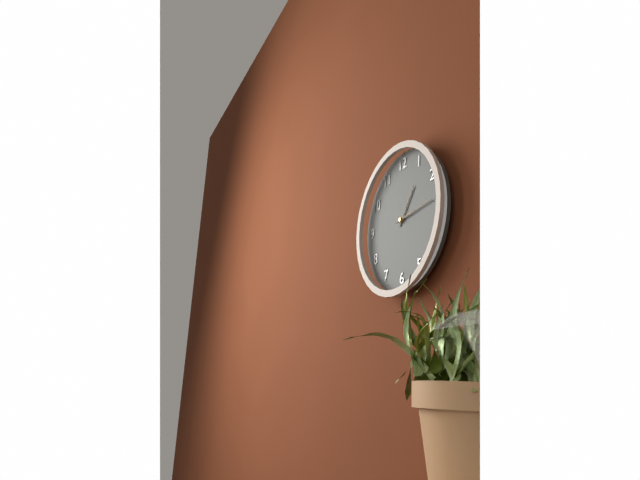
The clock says {"hour": 1, "minute": 14}
